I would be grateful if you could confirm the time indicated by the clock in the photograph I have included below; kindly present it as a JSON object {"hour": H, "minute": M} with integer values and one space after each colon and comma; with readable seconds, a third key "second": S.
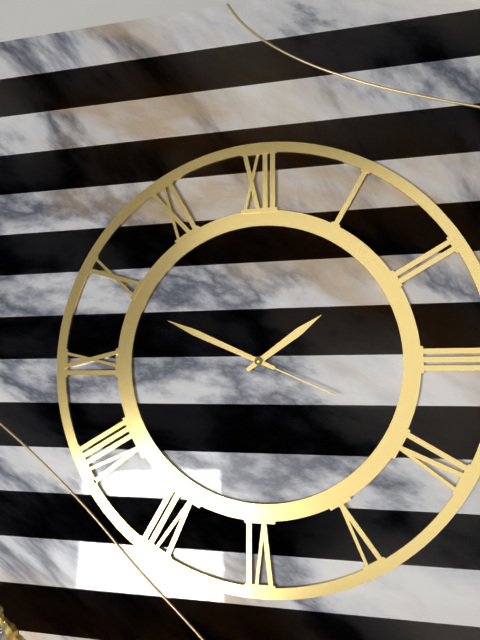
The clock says {"hour": 1, "minute": 49, "second": 19}
